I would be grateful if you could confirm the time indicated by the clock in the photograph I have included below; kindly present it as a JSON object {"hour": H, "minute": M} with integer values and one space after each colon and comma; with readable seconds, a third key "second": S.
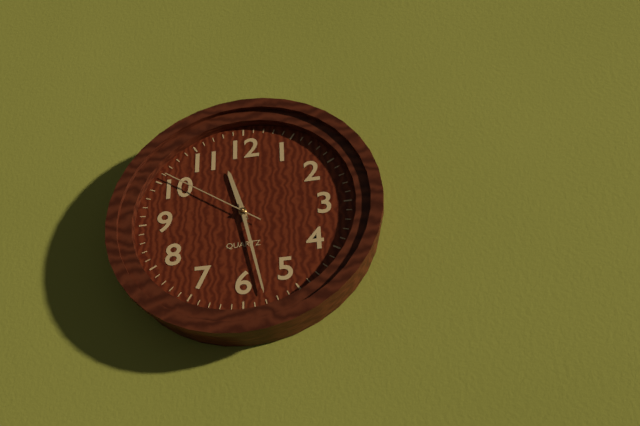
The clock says {"hour": 11, "minute": 28, "second": 51}
